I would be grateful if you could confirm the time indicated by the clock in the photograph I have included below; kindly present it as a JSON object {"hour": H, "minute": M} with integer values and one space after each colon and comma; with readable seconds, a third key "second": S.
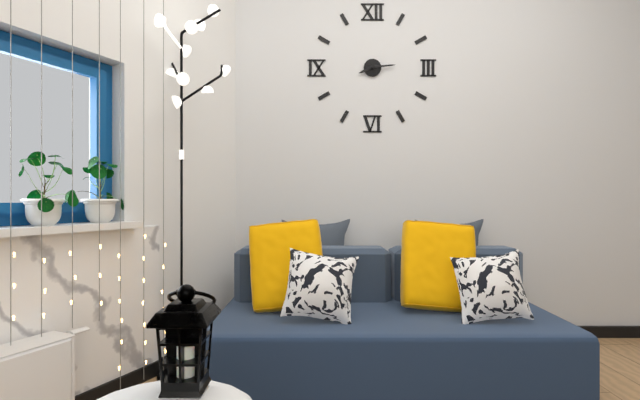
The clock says {"hour": 8, "minute": 14}
